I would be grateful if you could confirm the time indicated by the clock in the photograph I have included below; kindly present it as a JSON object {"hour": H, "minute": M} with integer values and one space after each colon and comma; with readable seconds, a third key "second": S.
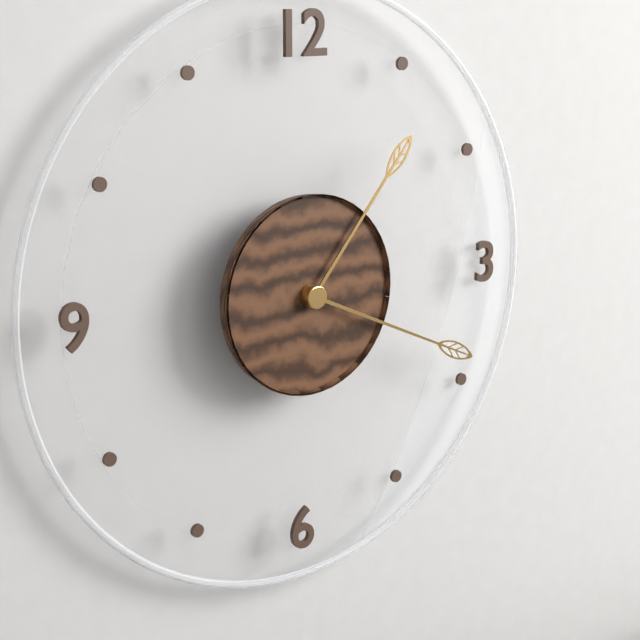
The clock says {"hour": 1, "minute": 19}
